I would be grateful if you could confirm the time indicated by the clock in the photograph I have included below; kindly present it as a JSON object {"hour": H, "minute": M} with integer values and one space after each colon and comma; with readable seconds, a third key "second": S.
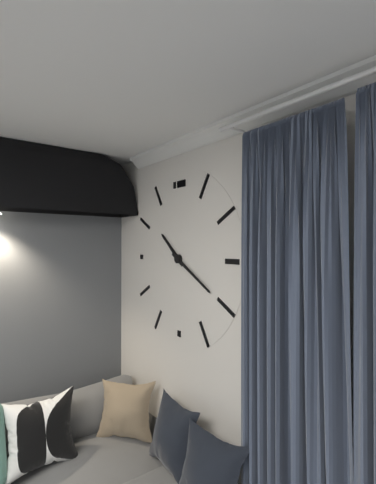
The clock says {"hour": 10, "minute": 20}
